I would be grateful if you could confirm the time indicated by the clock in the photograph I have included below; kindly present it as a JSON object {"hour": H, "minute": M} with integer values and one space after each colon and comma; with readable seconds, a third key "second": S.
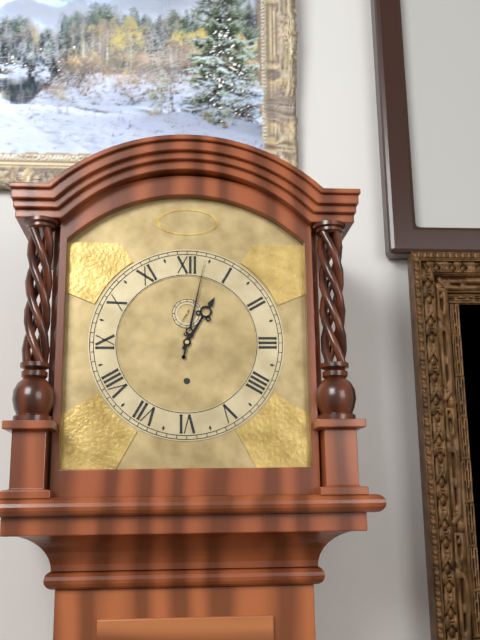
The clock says {"hour": 1, "minute": 2}
